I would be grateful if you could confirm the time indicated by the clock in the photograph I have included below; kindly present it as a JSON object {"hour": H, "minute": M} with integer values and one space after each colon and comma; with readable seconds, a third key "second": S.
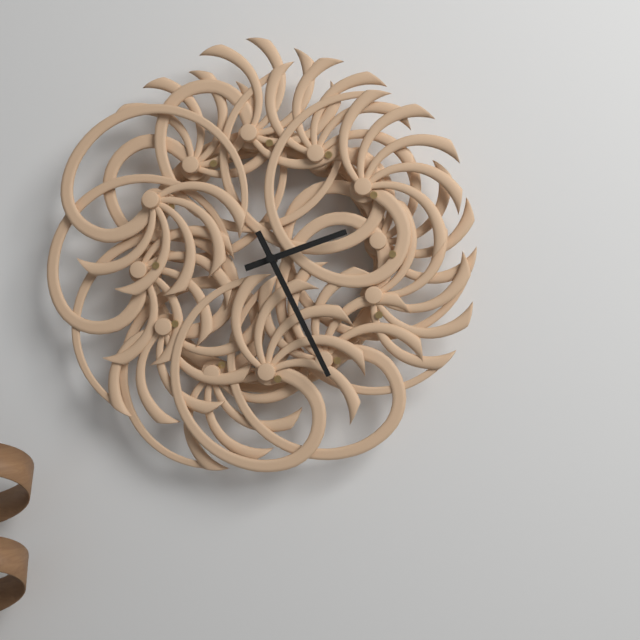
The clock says {"hour": 2, "minute": 26}
